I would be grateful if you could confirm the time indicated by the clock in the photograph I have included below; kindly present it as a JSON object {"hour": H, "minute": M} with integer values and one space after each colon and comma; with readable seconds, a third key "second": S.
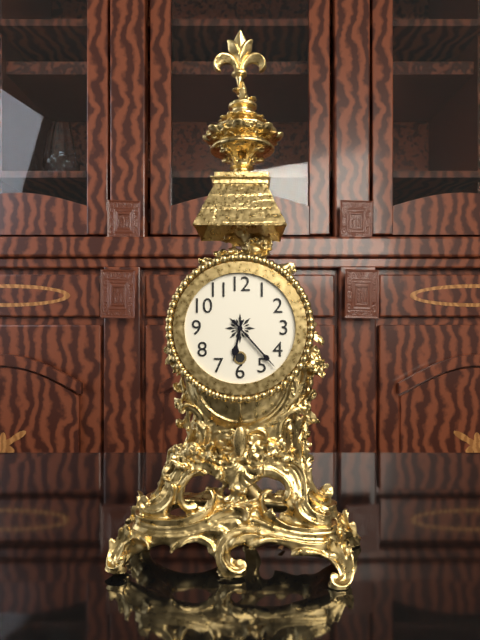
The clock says {"hour": 6, "minute": 23}
